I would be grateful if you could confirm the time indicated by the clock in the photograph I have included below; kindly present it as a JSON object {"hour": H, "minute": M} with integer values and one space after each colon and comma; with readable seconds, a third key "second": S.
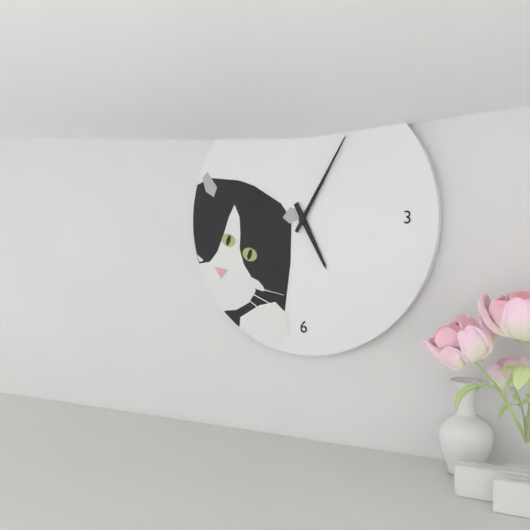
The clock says {"hour": 5, "minute": 5}
